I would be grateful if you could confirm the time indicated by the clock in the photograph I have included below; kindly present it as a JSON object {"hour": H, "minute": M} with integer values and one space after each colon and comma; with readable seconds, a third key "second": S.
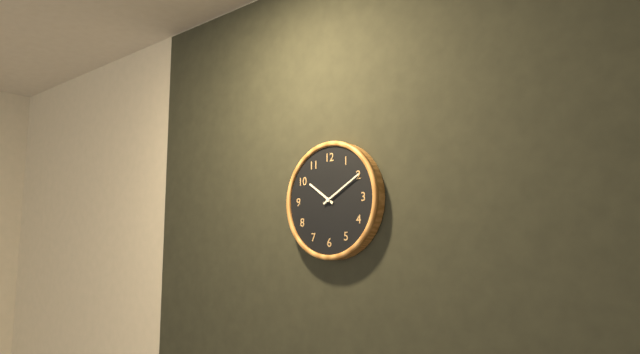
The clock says {"hour": 10, "minute": 10}
